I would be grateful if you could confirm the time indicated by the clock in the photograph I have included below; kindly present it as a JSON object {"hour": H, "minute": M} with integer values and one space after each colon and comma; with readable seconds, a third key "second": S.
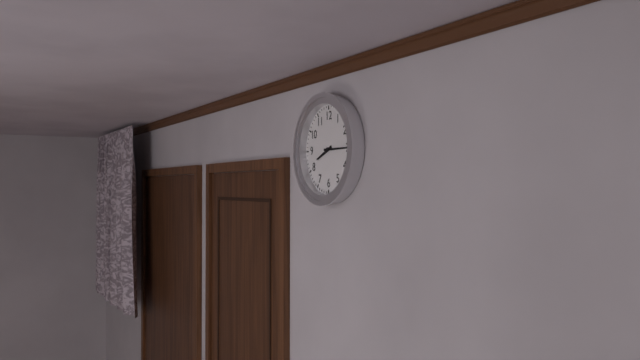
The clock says {"hour": 8, "minute": 15}
